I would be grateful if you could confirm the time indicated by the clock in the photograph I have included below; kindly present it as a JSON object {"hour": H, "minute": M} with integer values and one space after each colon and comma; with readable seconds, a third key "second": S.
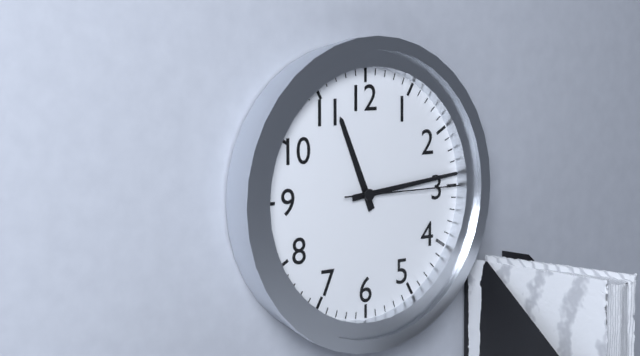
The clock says {"hour": 11, "minute": 14, "second": 15}
